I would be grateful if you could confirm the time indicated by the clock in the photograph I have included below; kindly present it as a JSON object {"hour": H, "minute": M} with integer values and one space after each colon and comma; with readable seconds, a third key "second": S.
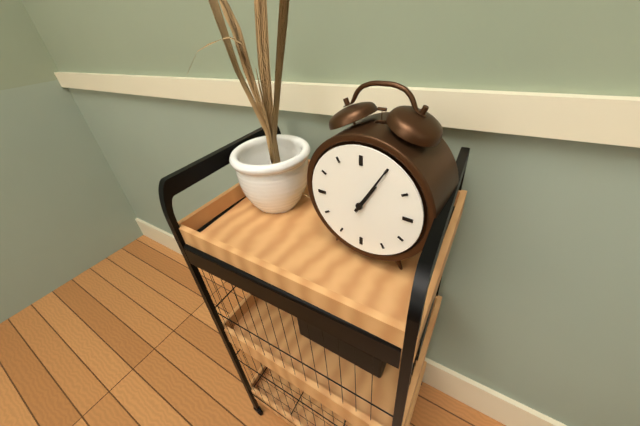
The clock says {"hour": 1, "minute": 5}
